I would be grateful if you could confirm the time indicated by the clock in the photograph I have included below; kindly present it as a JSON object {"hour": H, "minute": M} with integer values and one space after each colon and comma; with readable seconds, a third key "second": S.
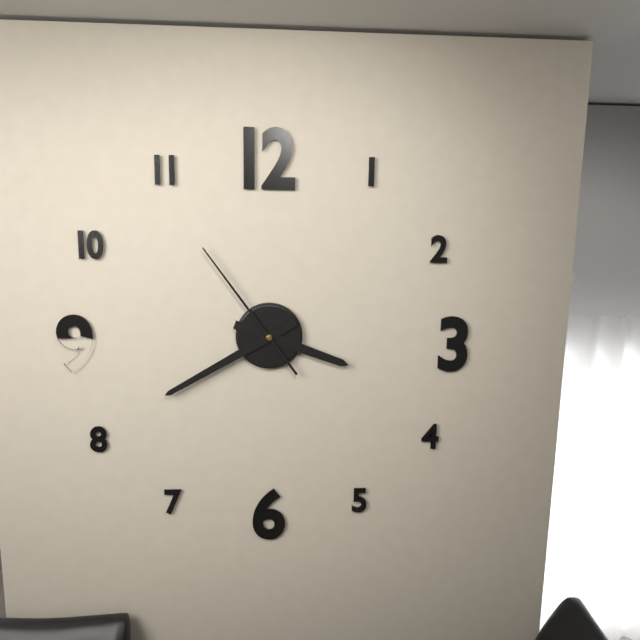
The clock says {"hour": 3, "minute": 40, "second": 54}
